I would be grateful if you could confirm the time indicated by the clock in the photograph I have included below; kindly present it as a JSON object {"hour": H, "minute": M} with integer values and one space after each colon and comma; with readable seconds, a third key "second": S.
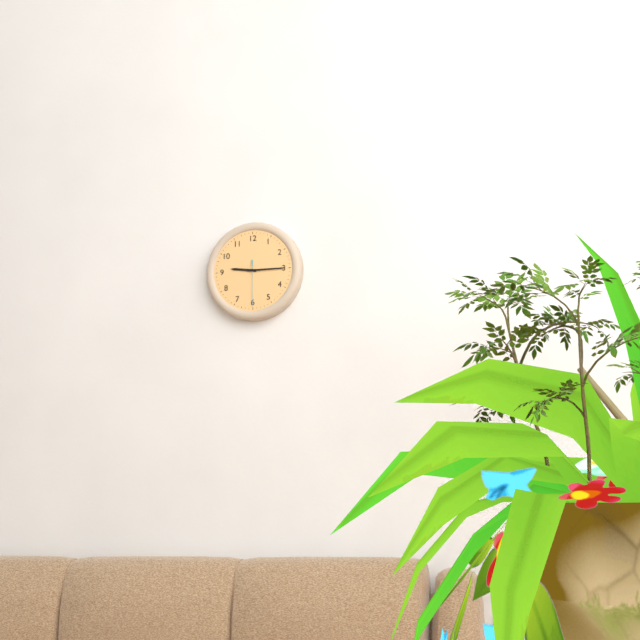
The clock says {"hour": 9, "minute": 15}
